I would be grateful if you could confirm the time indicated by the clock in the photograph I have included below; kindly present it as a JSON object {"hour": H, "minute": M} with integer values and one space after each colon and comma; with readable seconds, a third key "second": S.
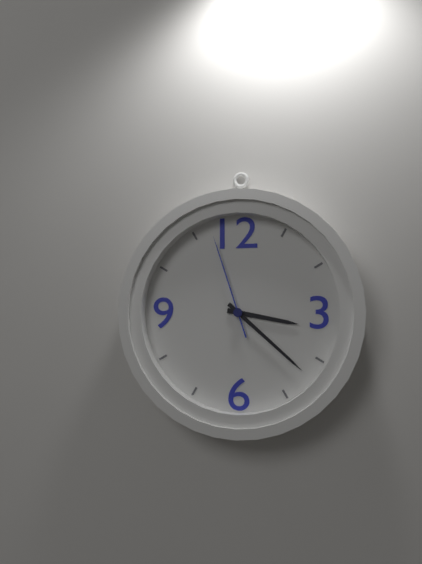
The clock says {"hour": 3, "minute": 22, "second": 57}
